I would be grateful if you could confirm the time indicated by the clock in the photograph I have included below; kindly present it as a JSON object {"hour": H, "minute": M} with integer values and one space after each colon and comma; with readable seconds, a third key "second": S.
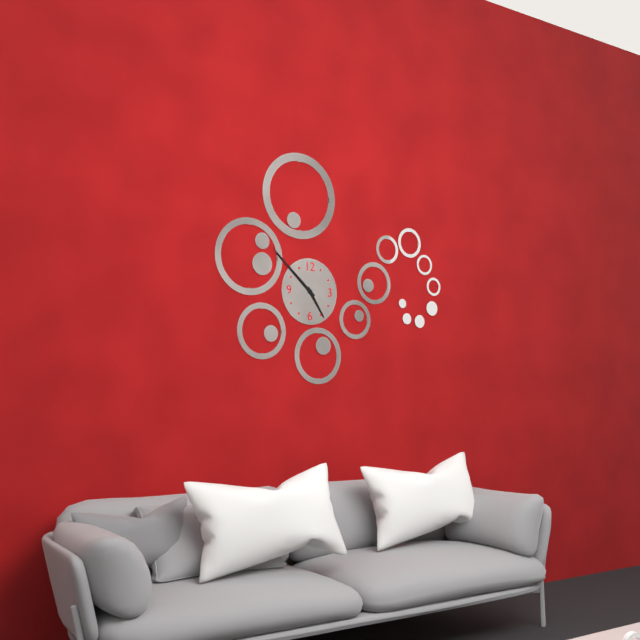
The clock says {"hour": 4, "minute": 52}
